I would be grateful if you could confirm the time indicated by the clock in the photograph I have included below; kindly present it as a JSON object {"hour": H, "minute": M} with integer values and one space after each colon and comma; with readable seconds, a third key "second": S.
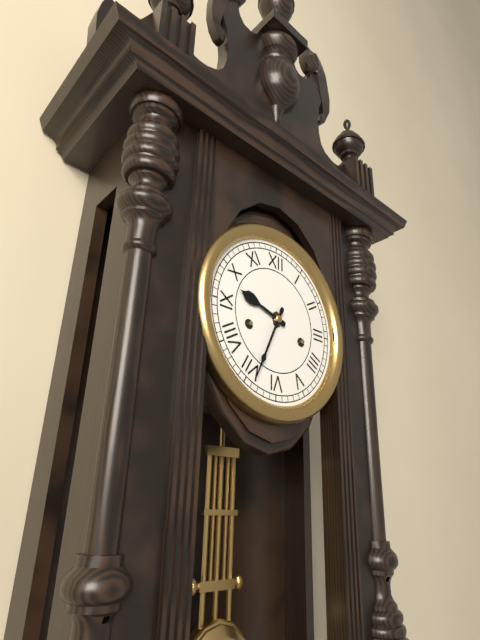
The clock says {"hour": 9, "minute": 34}
